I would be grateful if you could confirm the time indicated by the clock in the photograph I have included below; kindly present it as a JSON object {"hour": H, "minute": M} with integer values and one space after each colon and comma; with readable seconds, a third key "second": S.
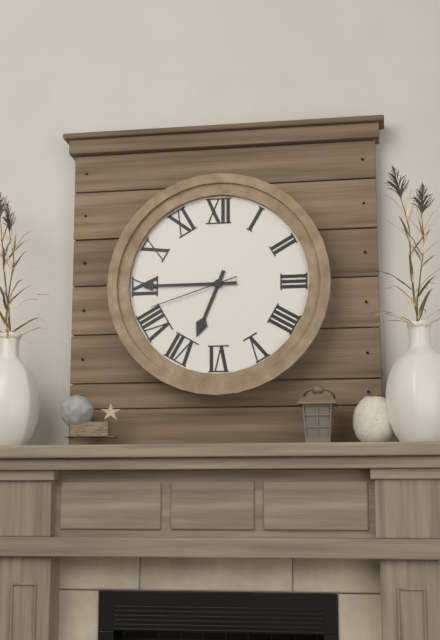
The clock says {"hour": 6, "minute": 45, "second": 42}
